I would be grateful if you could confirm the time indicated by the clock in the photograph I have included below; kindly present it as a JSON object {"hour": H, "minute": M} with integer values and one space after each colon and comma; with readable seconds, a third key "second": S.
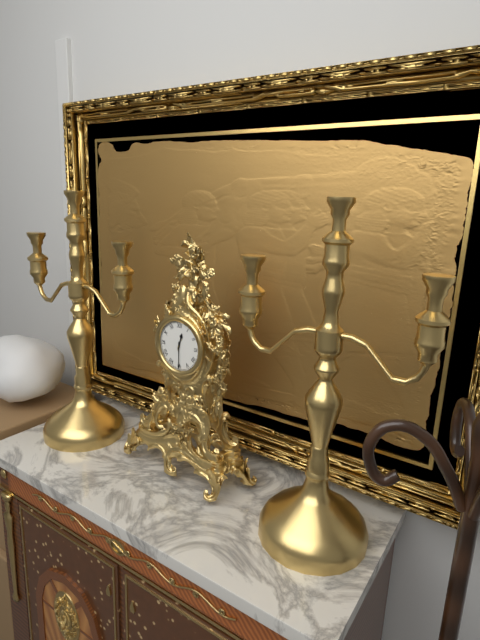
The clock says {"hour": 12, "minute": 30}
